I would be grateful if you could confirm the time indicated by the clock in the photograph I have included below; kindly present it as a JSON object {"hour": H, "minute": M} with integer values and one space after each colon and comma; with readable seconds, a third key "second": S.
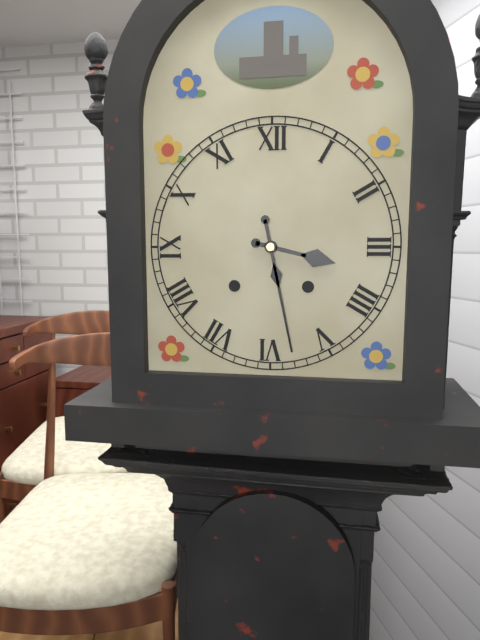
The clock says {"hour": 3, "minute": 28}
